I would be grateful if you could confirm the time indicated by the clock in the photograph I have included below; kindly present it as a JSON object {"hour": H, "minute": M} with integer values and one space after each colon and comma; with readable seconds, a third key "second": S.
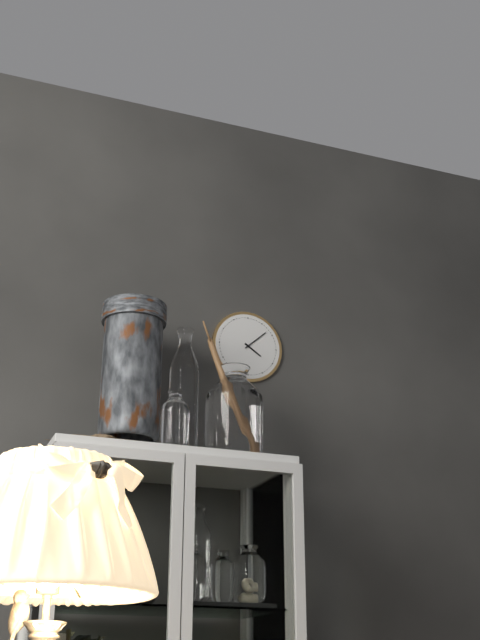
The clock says {"hour": 4, "minute": 8}
